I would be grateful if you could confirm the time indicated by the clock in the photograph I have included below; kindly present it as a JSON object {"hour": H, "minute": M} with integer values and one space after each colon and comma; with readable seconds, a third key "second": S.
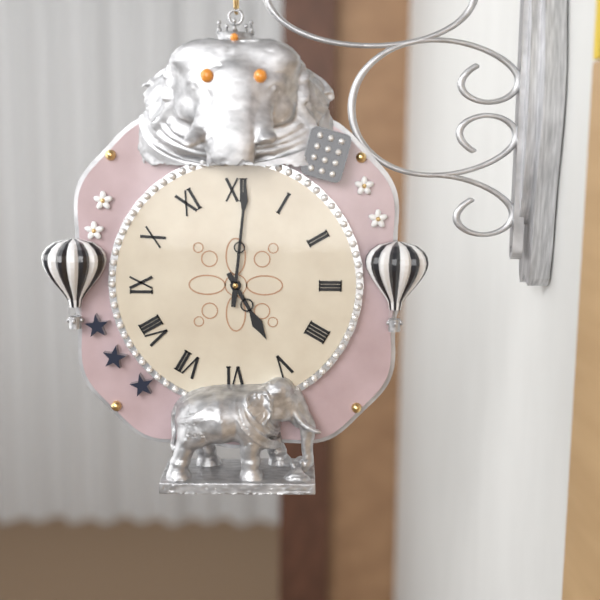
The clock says {"hour": 5, "minute": 1}
